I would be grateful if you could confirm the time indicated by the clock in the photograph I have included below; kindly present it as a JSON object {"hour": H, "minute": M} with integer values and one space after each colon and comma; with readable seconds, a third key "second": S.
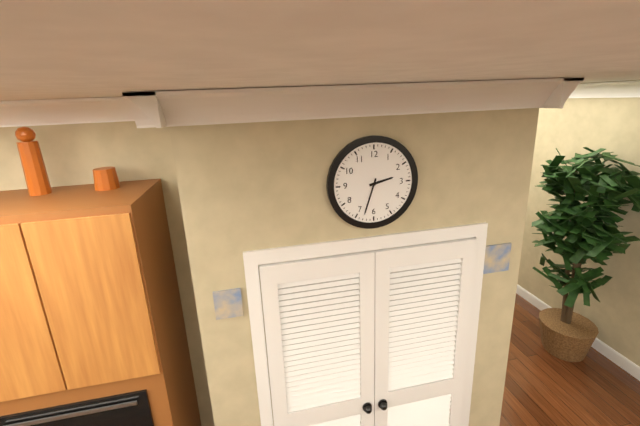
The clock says {"hour": 2, "minute": 33}
